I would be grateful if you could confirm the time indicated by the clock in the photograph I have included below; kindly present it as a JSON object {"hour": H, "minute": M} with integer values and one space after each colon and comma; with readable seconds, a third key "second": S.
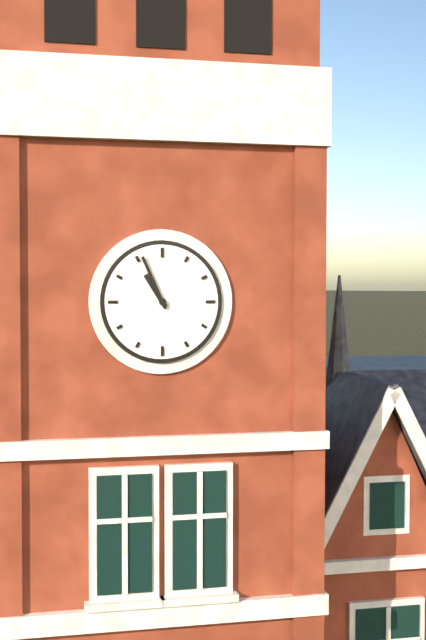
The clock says {"hour": 10, "minute": 56}
